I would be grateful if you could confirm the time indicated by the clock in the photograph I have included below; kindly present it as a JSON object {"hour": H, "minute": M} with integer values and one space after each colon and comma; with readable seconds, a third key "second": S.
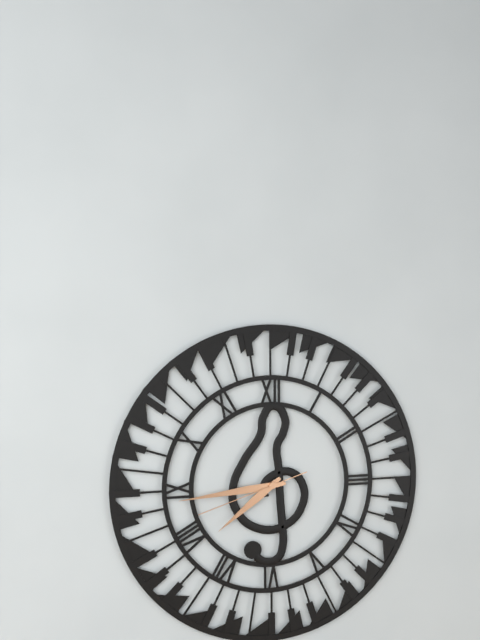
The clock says {"hour": 7, "minute": 44, "second": 42}
